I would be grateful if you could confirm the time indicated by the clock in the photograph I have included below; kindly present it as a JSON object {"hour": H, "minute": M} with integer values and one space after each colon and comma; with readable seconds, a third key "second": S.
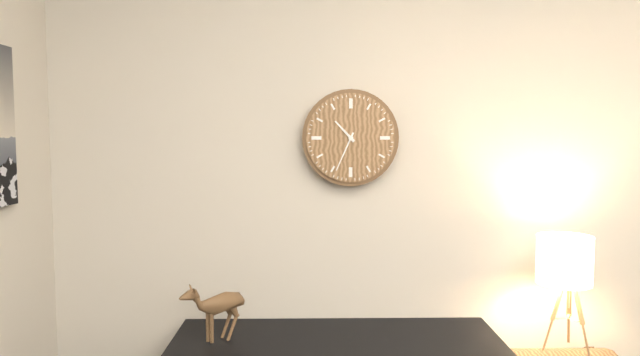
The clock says {"hour": 10, "minute": 34}
